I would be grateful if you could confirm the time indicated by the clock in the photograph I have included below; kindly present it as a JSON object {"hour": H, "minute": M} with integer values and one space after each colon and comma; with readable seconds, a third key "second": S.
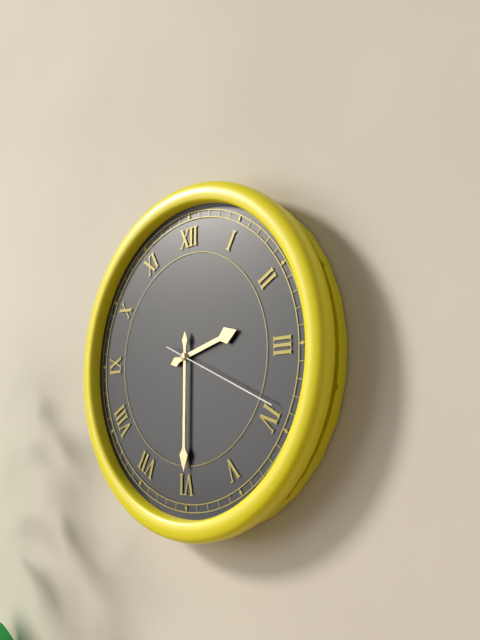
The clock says {"hour": 2, "minute": 30, "second": 19}
